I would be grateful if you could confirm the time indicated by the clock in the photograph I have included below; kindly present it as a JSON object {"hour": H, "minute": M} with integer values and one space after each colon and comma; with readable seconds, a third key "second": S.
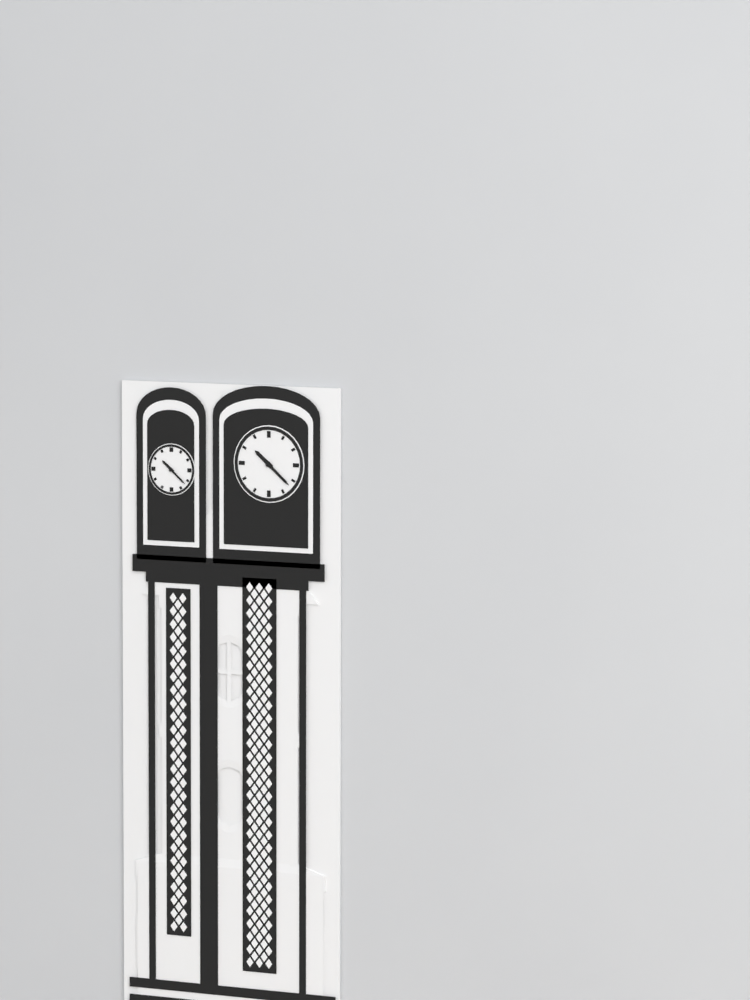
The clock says {"hour": 10, "minute": 22}
